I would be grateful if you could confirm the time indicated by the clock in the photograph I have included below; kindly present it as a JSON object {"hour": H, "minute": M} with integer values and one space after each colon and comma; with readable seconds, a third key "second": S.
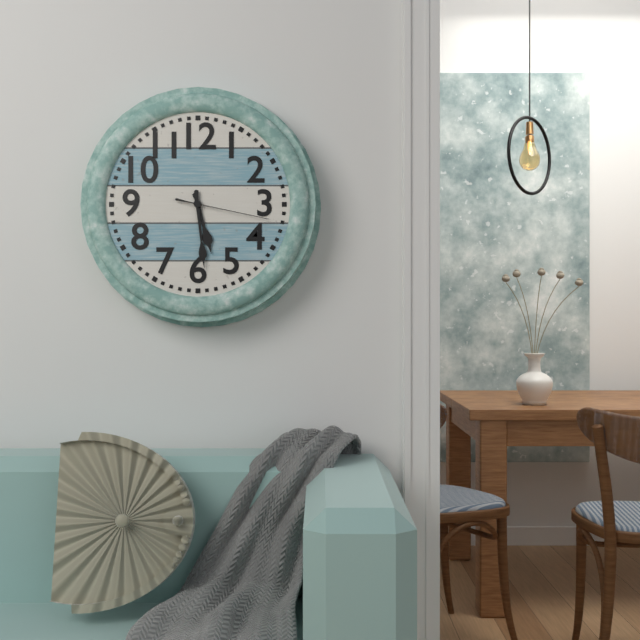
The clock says {"hour": 5, "minute": 29, "second": 17}
